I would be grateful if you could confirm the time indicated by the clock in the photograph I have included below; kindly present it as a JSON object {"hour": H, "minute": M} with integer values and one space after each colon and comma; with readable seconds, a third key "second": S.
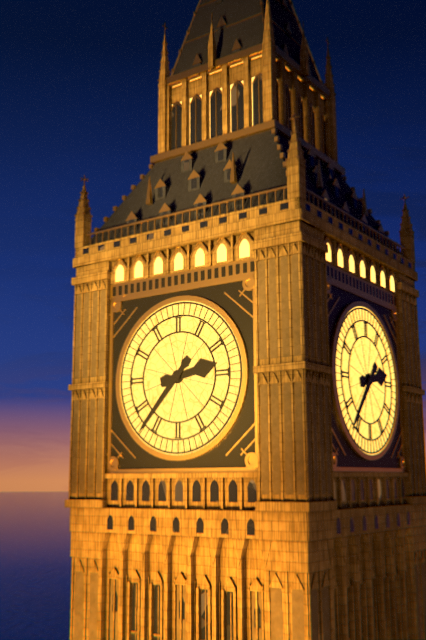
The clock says {"hour": 2, "minute": 37}
